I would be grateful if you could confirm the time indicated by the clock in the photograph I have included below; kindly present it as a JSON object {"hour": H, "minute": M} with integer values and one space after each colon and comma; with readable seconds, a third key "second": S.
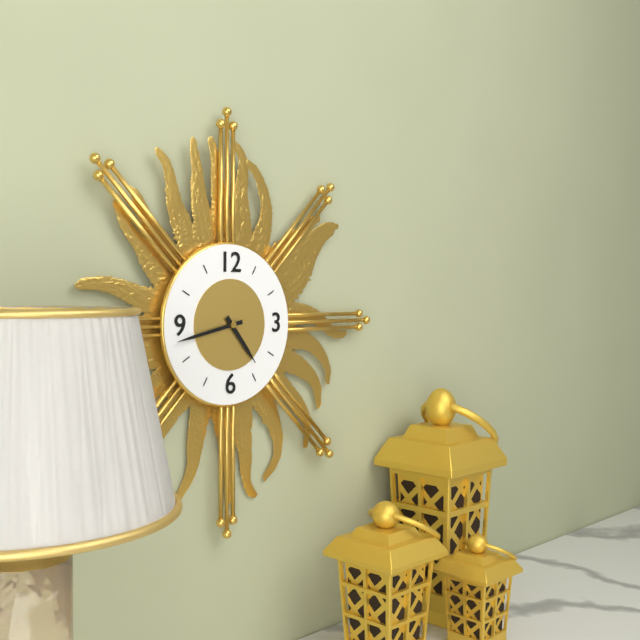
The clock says {"hour": 4, "minute": 43}
